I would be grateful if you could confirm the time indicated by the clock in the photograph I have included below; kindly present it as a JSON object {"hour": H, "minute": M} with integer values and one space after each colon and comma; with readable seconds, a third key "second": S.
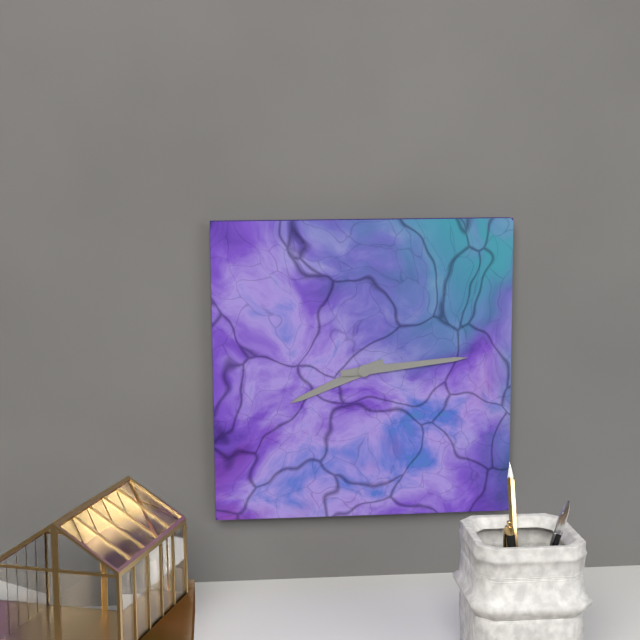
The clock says {"hour": 8, "minute": 14}
